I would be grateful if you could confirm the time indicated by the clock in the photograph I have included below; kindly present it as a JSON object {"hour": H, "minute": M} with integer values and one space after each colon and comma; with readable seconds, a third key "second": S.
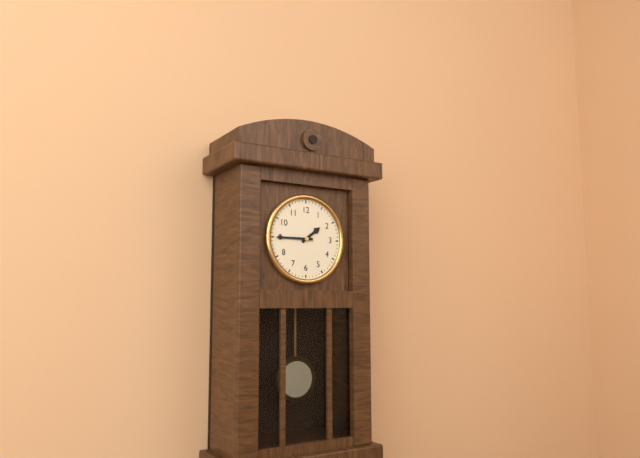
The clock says {"hour": 1, "minute": 45}
